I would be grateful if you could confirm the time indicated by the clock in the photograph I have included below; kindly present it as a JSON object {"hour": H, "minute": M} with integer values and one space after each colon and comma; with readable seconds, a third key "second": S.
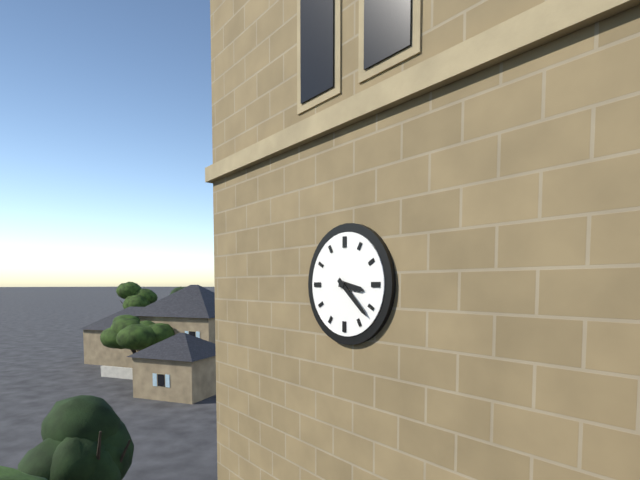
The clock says {"hour": 3, "minute": 22}
